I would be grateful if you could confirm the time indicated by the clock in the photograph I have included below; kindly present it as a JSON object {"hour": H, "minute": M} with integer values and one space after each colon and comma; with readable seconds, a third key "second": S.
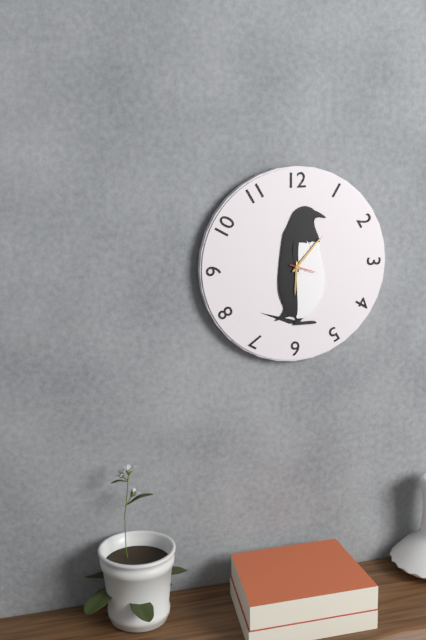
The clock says {"hour": 6, "minute": 7}
